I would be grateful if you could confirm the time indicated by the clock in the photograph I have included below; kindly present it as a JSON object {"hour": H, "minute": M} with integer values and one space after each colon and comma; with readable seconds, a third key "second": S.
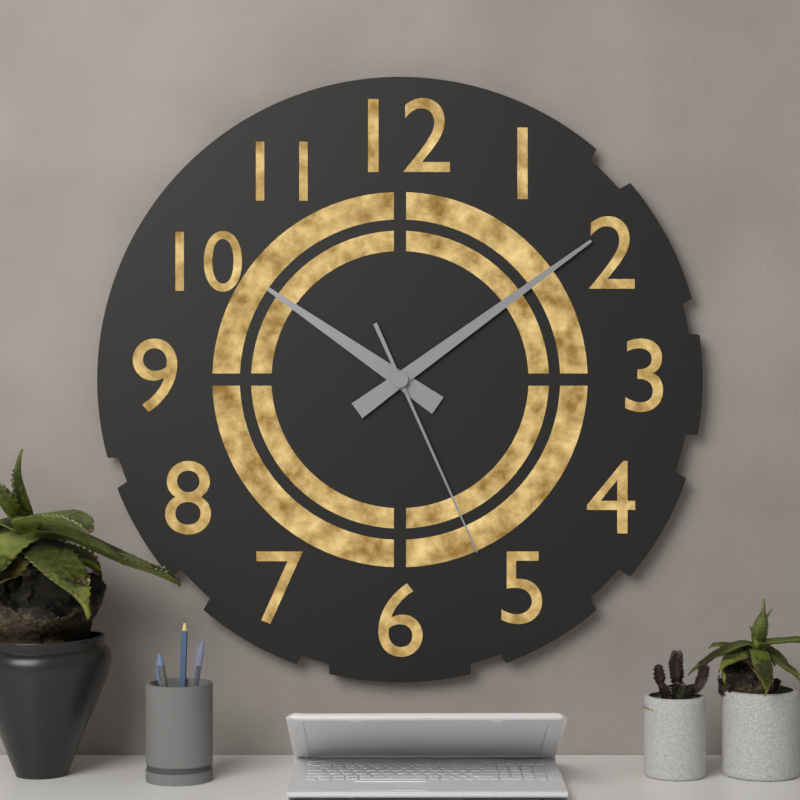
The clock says {"hour": 10, "minute": 9, "second": 26}
